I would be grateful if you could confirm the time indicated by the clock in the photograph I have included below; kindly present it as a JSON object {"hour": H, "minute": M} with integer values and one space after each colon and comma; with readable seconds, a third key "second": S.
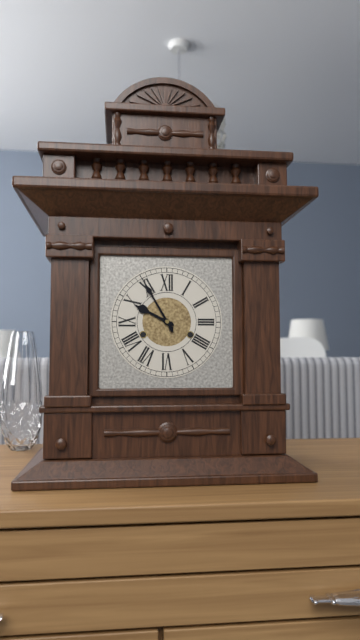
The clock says {"hour": 9, "minute": 55}
